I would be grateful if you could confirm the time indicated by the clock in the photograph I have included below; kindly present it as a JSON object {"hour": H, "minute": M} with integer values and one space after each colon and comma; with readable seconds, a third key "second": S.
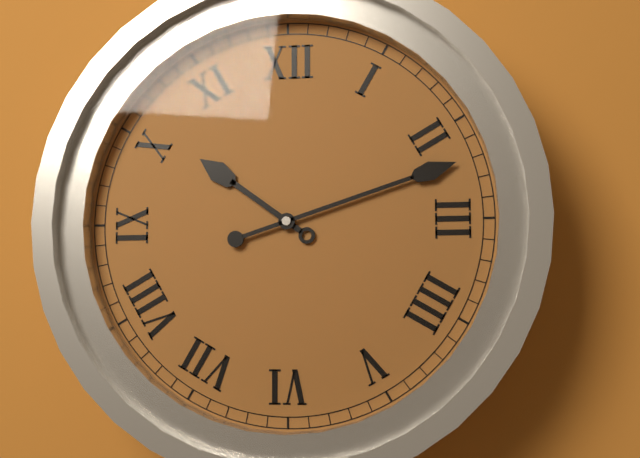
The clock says {"hour": 10, "minute": 12}
